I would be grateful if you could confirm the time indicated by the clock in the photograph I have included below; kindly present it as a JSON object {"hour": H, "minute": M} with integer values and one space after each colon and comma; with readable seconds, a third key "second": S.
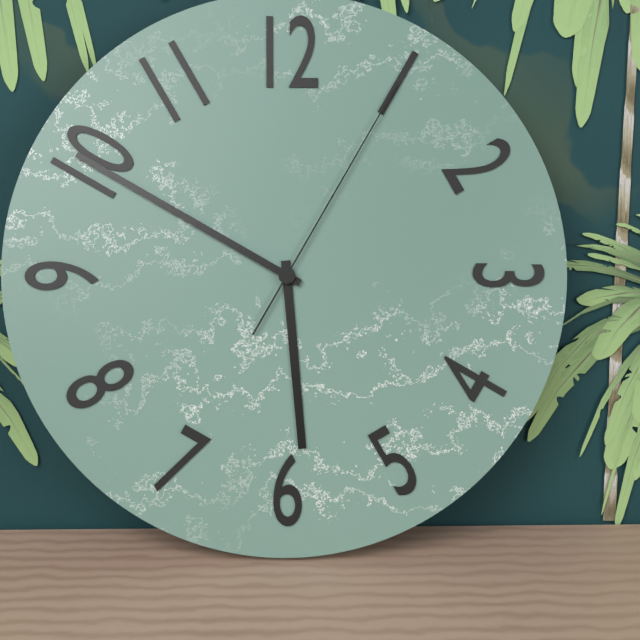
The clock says {"hour": 5, "minute": 50, "second": 5}
